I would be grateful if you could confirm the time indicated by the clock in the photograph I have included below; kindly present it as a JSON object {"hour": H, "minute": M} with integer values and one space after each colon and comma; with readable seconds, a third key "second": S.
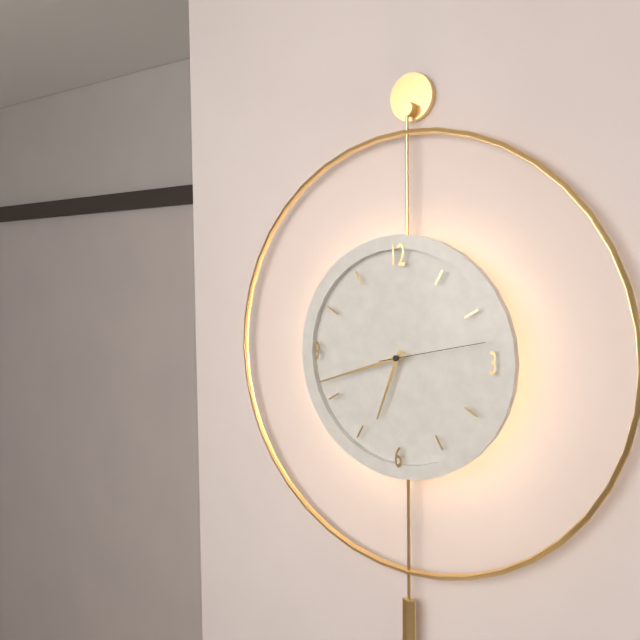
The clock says {"hour": 6, "minute": 42, "second": 13}
